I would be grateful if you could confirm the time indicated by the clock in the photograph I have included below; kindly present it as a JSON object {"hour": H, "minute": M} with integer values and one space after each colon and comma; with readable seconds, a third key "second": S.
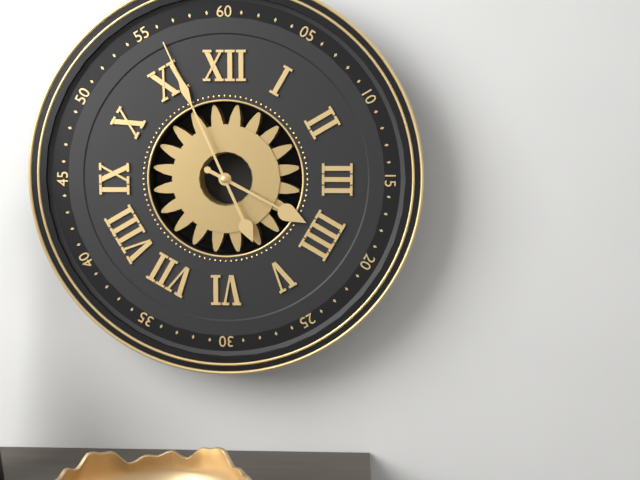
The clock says {"hour": 3, "minute": 56}
